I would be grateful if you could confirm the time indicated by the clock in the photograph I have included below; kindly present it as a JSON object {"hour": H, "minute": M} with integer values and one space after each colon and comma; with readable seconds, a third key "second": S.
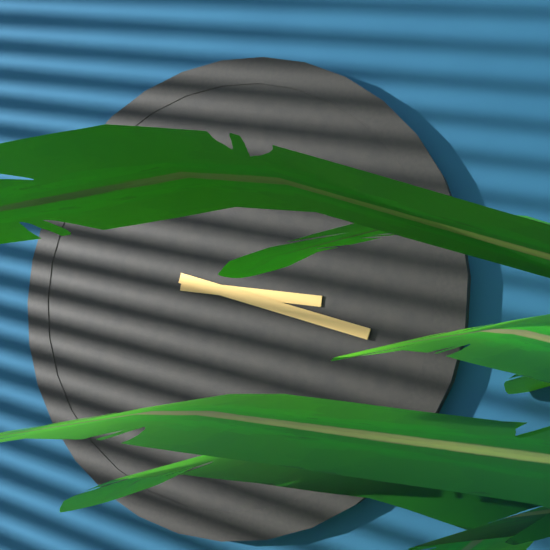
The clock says {"hour": 3, "minute": 18}
